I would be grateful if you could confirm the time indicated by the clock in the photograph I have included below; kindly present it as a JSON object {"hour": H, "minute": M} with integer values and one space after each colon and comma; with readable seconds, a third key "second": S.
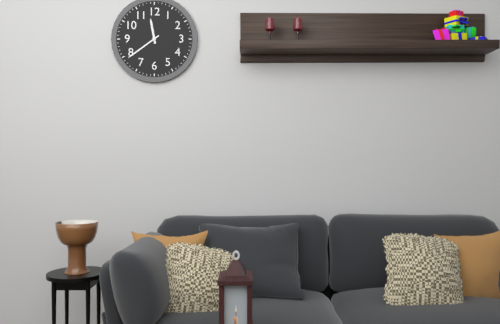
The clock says {"hour": 11, "minute": 39}
